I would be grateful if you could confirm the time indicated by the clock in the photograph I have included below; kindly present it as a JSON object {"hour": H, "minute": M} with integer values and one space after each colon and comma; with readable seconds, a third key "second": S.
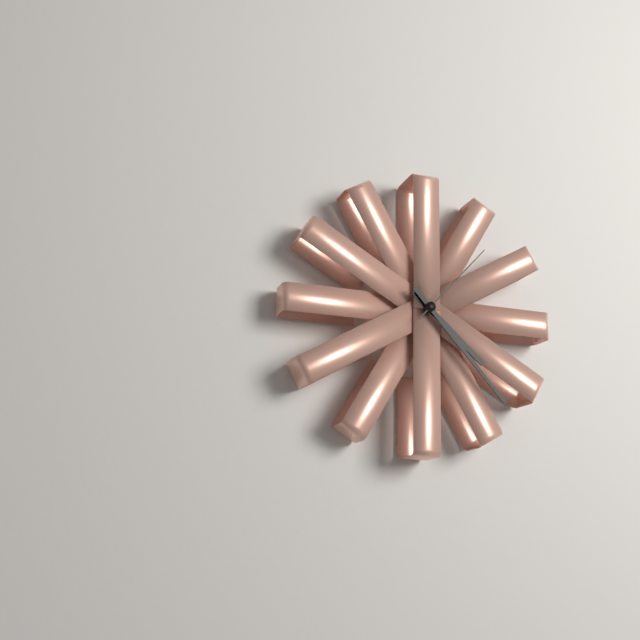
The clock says {"hour": 4, "minute": 23, "second": 7}
